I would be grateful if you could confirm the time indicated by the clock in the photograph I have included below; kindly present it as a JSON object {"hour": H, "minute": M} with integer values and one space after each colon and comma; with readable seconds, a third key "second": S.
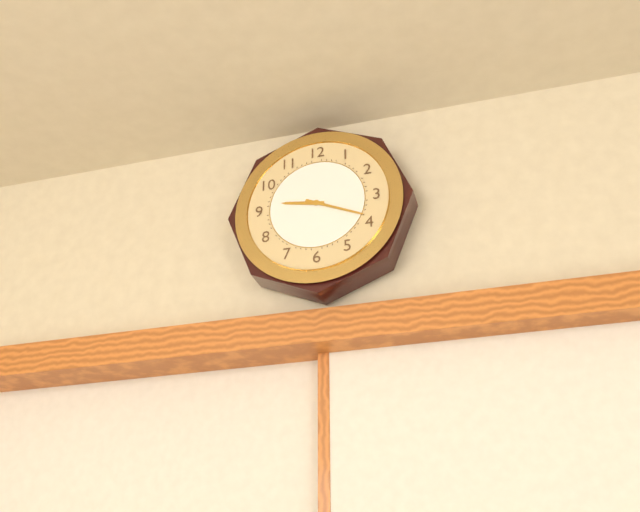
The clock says {"hour": 9, "minute": 19}
